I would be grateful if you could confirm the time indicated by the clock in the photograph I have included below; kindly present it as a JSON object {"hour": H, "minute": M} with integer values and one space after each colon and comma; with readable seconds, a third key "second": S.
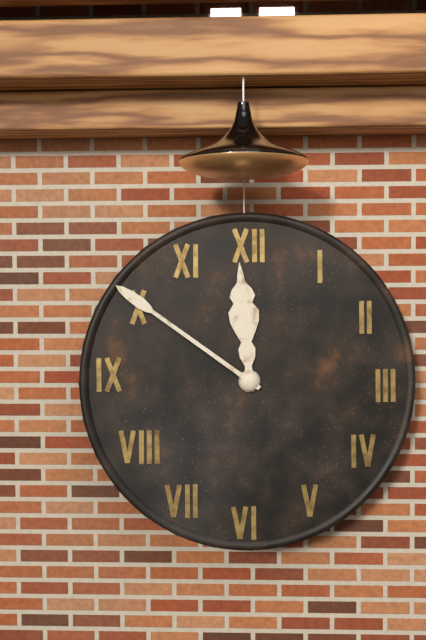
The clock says {"hour": 11, "minute": 51}
